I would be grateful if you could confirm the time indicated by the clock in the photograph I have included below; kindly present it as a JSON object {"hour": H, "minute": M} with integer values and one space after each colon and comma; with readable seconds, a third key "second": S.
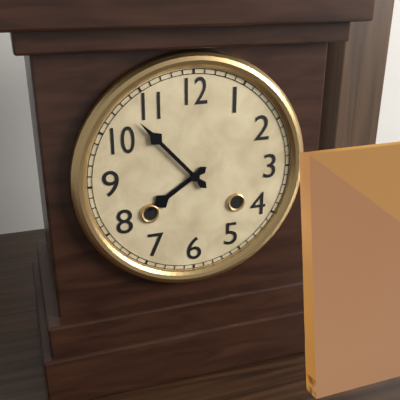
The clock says {"hour": 7, "minute": 53}
